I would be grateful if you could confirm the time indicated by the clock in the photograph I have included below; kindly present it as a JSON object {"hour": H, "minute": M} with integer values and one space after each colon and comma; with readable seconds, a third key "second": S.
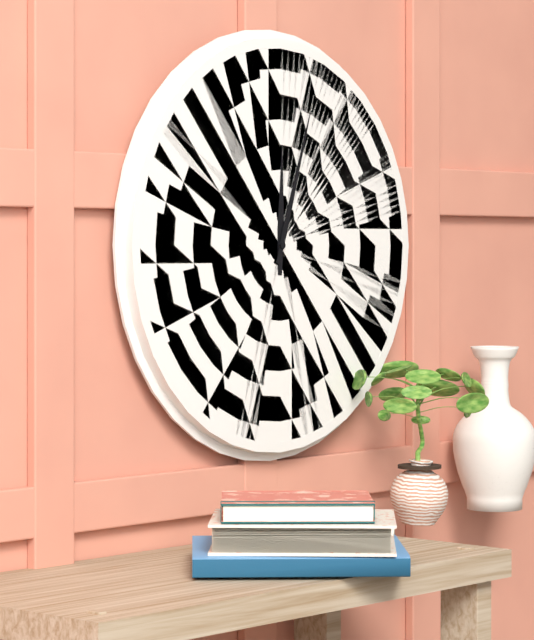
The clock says {"hour": 12, "minute": 3}
